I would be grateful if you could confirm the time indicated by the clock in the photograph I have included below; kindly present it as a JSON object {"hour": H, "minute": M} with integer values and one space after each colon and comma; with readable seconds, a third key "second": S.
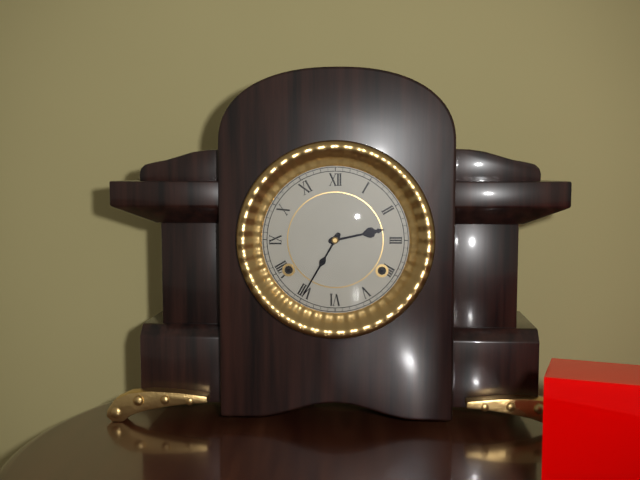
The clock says {"hour": 2, "minute": 35}
